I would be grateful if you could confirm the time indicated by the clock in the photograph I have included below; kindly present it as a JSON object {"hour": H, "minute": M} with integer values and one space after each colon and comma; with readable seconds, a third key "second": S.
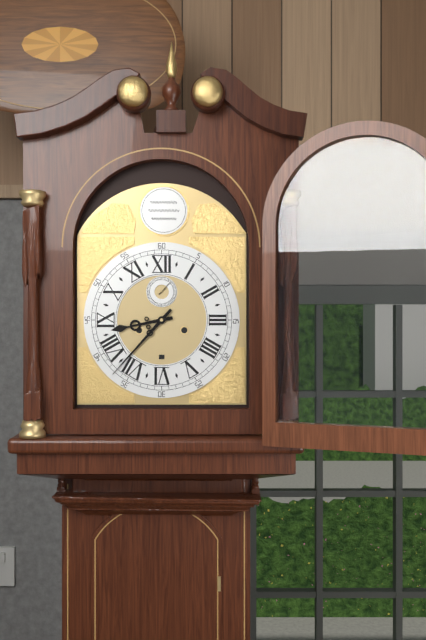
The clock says {"hour": 8, "minute": 37}
